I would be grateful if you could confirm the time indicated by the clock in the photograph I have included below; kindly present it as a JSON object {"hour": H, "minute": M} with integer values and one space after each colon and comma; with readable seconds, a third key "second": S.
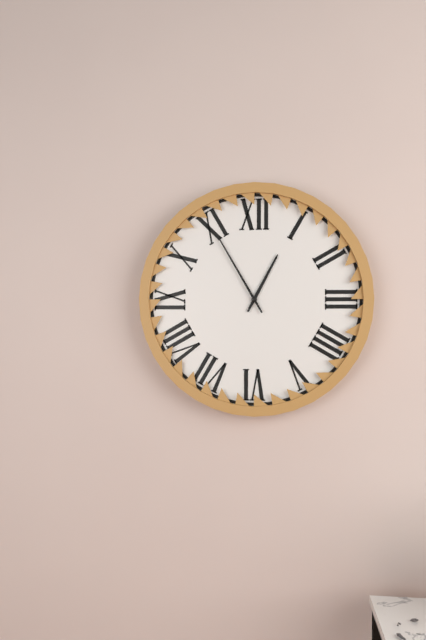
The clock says {"hour": 12, "minute": 55}
